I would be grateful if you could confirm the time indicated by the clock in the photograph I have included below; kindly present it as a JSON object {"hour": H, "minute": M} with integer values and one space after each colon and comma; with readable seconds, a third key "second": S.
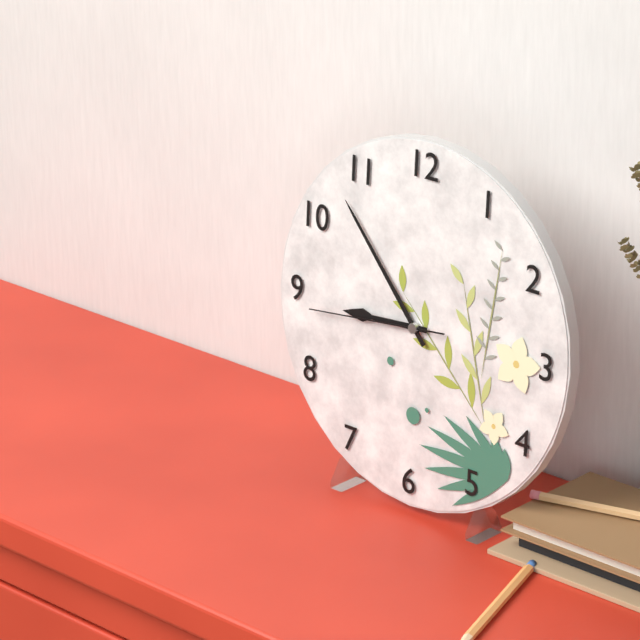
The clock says {"hour": 8, "minute": 53, "second": 44}
